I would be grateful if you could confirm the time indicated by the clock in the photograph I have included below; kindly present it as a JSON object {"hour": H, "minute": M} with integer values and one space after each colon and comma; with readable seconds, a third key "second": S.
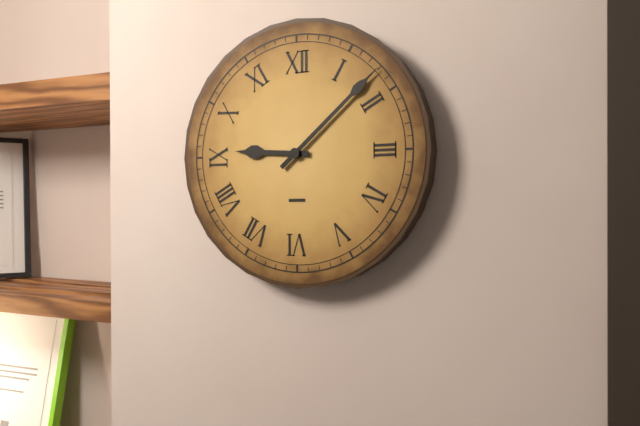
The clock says {"hour": 9, "minute": 8}
